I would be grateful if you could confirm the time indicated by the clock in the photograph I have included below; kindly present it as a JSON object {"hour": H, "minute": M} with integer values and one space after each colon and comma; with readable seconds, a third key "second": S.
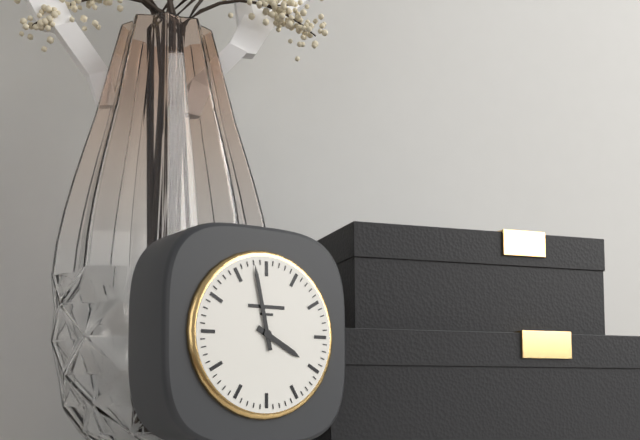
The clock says {"hour": 3, "minute": 58}
